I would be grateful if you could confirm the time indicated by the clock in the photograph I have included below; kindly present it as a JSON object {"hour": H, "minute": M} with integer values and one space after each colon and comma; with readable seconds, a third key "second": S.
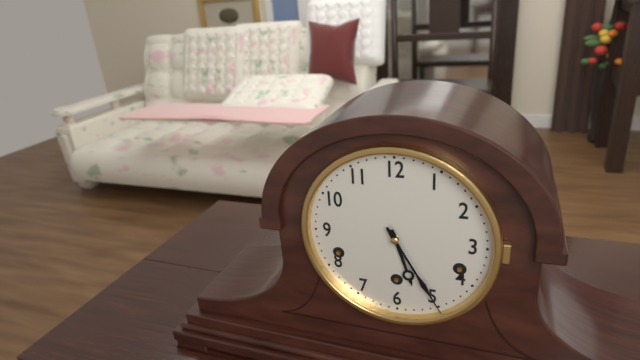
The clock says {"hour": 5, "minute": 25}
